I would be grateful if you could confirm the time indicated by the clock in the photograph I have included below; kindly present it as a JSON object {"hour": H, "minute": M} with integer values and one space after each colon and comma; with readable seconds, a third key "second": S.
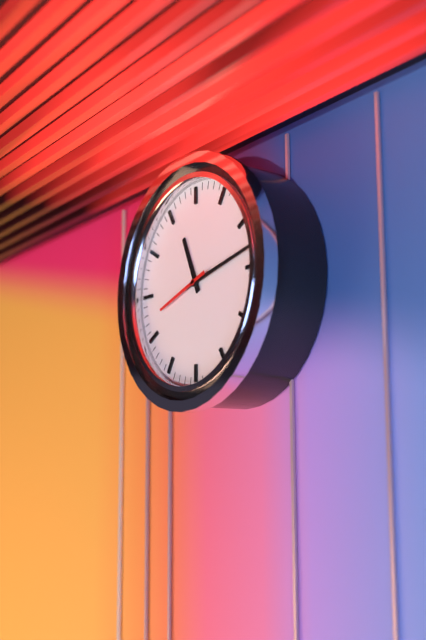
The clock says {"hour": 11, "minute": 13, "second": 42}
